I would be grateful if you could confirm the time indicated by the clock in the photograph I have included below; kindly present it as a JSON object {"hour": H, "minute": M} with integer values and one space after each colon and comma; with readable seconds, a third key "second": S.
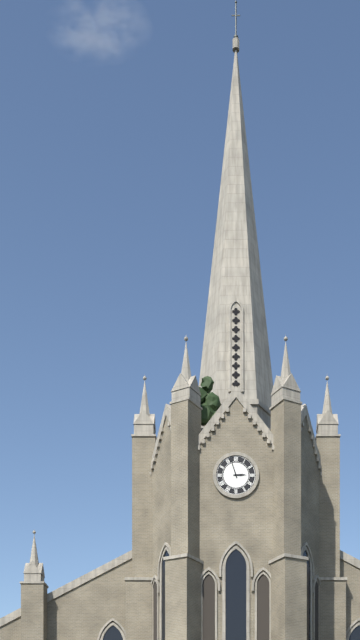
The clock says {"hour": 2, "minute": 57}
